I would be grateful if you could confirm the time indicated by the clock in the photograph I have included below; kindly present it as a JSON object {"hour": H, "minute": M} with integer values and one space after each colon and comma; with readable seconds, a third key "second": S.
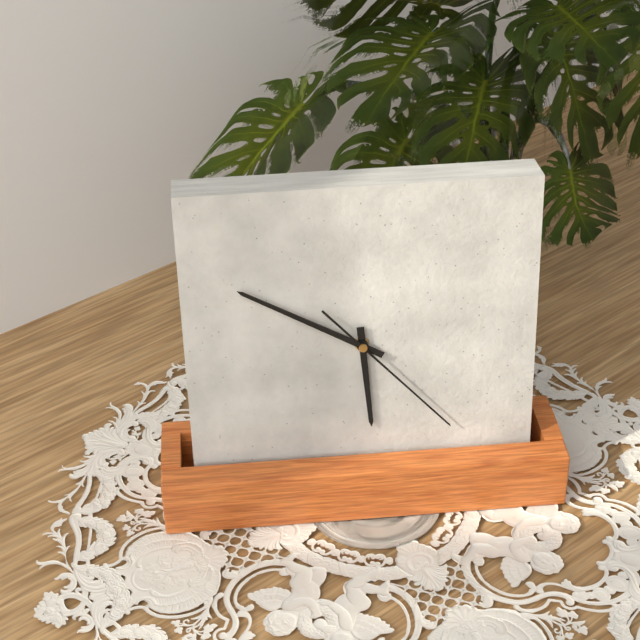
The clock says {"hour": 5, "minute": 50, "second": 23}
